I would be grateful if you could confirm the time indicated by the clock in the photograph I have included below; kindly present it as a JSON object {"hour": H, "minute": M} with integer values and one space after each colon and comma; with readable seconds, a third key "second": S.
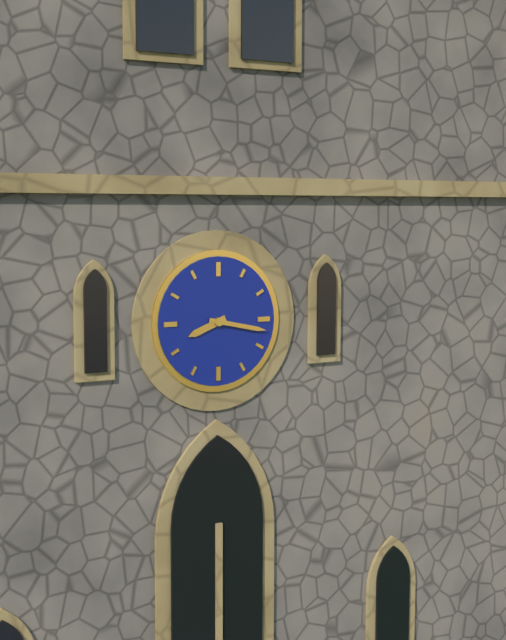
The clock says {"hour": 8, "minute": 17}
